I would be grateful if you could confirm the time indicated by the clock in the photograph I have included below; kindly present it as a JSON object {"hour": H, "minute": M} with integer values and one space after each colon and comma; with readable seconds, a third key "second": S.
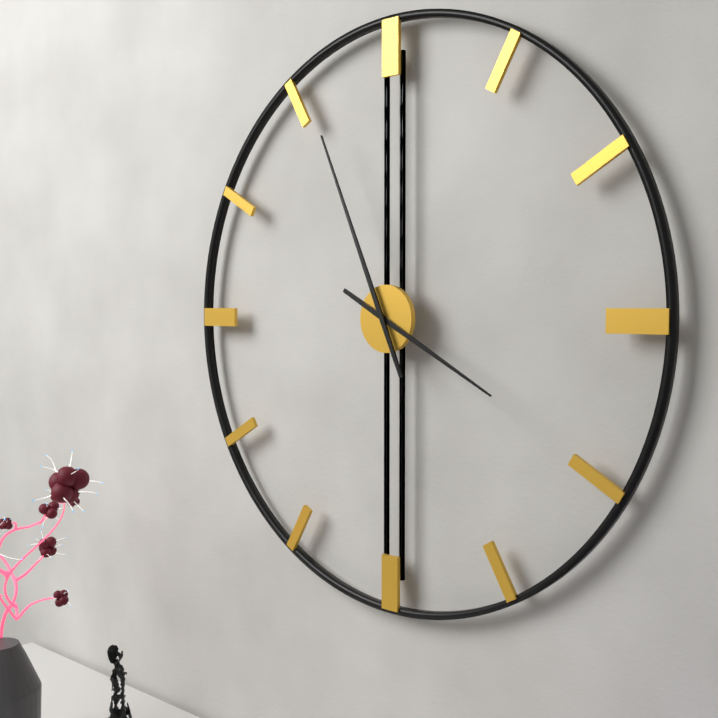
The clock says {"hour": 3, "minute": 56}
